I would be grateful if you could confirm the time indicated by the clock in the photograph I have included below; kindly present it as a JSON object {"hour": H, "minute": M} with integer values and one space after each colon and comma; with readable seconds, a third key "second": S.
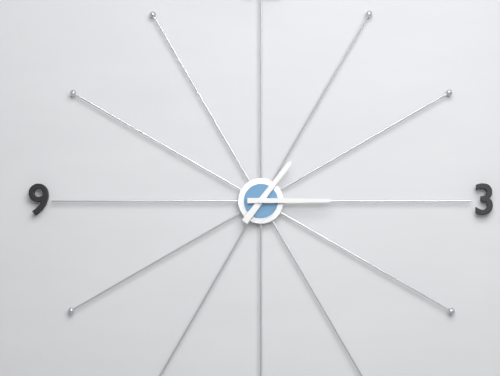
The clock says {"hour": 1, "minute": 15}
